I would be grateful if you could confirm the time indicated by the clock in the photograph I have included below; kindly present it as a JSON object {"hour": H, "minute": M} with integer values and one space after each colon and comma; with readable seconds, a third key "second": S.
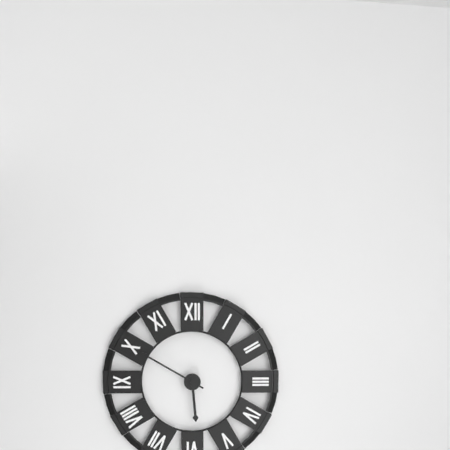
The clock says {"hour": 5, "minute": 50}
